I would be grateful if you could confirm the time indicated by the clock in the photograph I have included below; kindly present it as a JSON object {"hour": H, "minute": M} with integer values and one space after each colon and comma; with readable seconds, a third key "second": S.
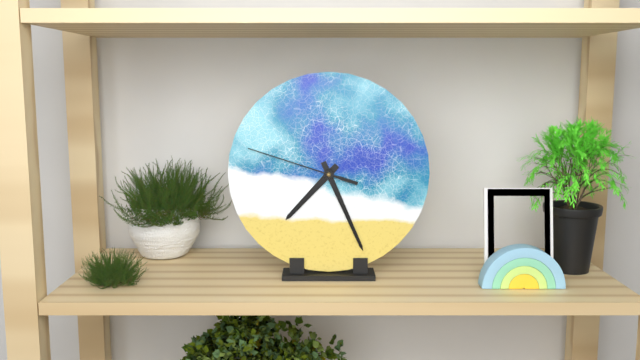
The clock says {"hour": 7, "minute": 26, "second": 48}
